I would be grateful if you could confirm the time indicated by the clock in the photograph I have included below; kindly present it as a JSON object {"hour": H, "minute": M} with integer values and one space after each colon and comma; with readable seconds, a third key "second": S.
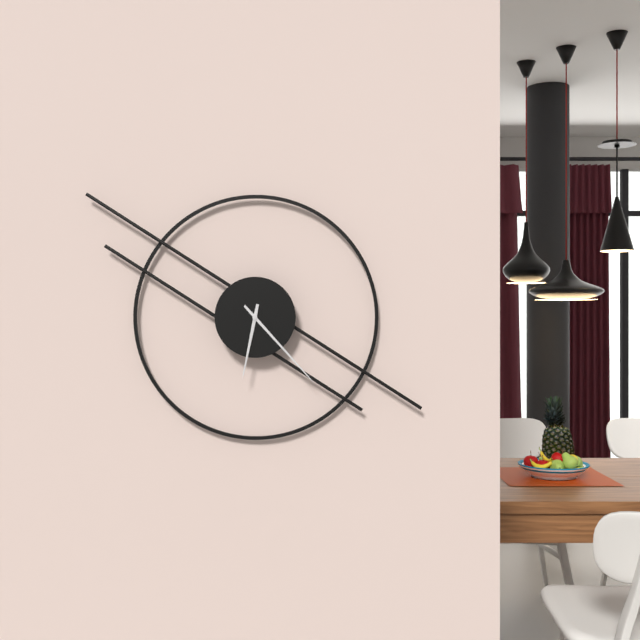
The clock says {"hour": 6, "minute": 23}
